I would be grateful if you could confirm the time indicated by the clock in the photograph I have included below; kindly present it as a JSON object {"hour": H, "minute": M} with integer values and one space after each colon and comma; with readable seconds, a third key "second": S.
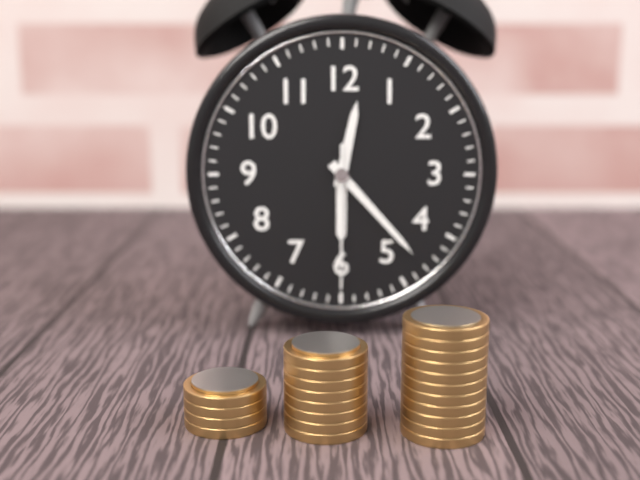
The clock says {"hour": 12, "minute": 23, "second": 30}
